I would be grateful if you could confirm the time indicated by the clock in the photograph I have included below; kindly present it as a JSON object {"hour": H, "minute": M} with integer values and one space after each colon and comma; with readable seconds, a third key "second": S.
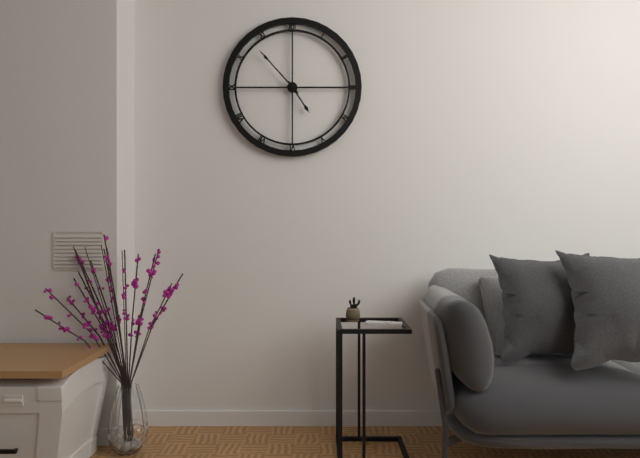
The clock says {"hour": 4, "minute": 53}
